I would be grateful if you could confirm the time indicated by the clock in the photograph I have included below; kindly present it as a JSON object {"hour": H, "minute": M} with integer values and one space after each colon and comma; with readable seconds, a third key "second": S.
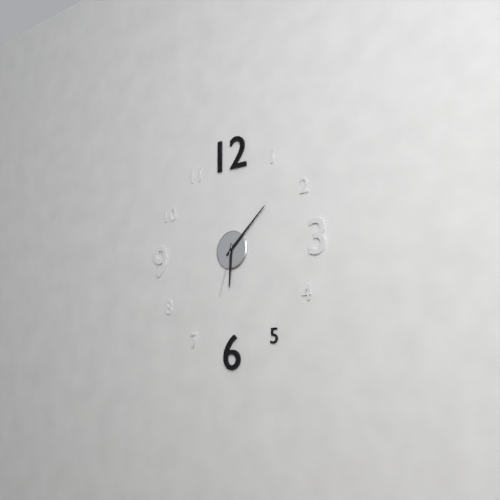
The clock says {"hour": 6, "minute": 8, "second": 33}
